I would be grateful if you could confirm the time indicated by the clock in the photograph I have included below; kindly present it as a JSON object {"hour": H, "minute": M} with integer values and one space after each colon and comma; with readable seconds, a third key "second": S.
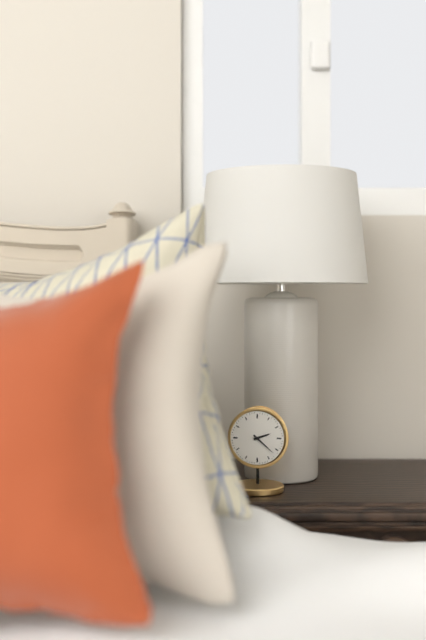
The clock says {"hour": 2, "minute": 22}
